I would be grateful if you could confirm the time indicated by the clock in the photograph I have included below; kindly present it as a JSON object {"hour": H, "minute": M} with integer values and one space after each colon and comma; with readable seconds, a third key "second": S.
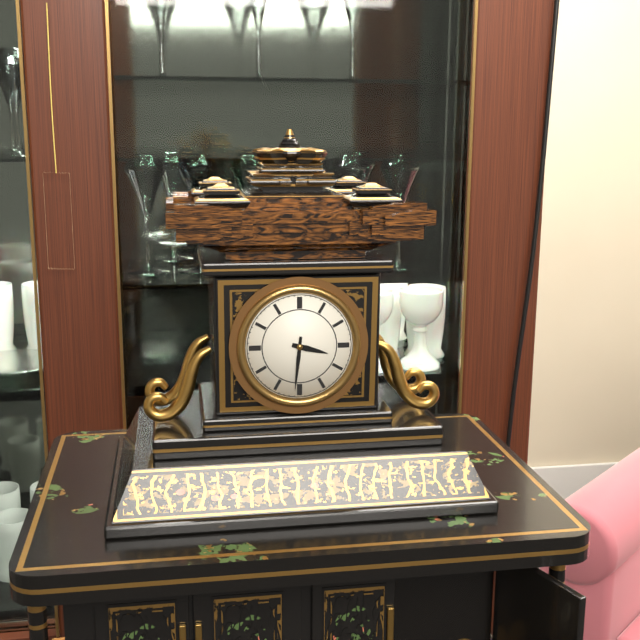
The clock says {"hour": 3, "minute": 31}
